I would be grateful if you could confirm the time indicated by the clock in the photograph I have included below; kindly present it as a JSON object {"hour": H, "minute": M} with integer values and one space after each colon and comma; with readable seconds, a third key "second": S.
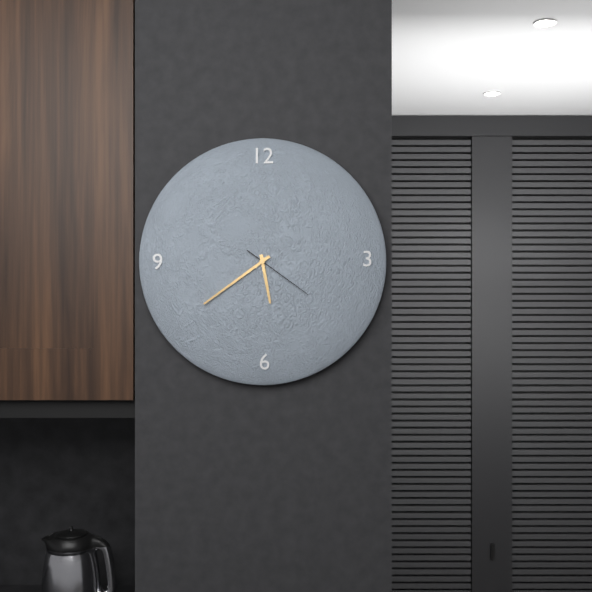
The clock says {"hour": 5, "minute": 39, "second": 21}
